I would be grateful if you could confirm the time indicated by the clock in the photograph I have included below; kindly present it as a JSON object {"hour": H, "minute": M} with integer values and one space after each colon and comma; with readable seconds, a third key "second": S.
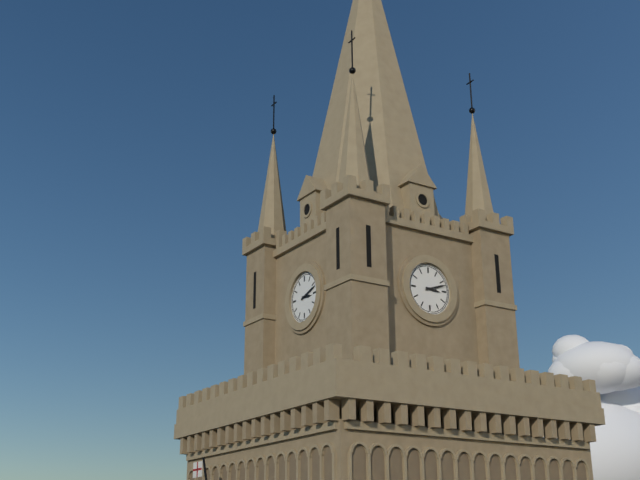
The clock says {"hour": 3, "minute": 12}
